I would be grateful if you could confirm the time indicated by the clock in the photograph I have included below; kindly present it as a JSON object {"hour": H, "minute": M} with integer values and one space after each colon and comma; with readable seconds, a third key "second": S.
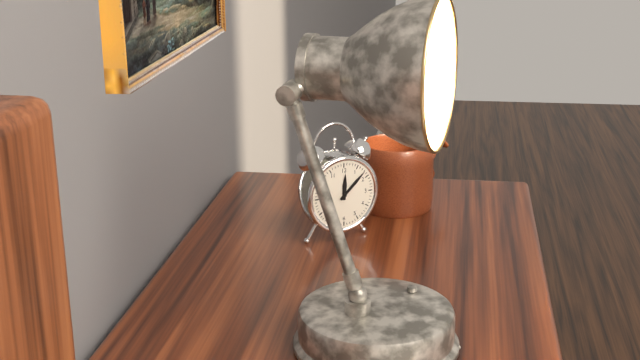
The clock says {"hour": 12, "minute": 8}
